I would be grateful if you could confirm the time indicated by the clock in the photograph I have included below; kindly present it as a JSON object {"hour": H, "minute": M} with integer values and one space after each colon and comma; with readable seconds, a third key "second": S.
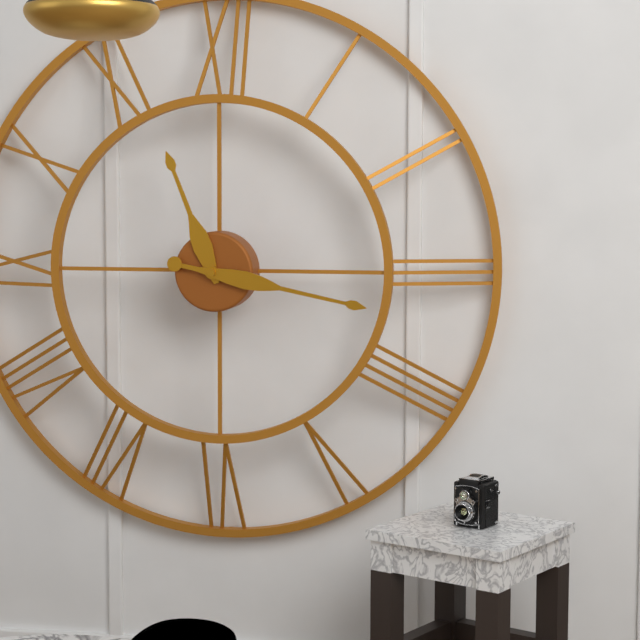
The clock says {"hour": 11, "minute": 17}
